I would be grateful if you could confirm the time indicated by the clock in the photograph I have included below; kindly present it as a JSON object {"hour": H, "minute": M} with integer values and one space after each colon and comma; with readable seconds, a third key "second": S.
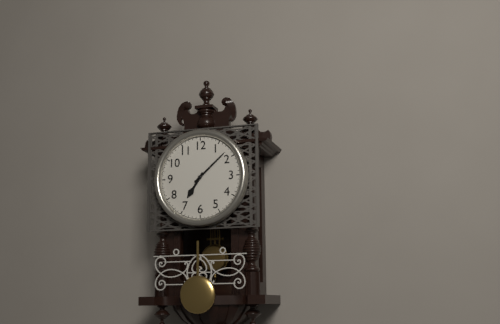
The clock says {"hour": 7, "minute": 8}
